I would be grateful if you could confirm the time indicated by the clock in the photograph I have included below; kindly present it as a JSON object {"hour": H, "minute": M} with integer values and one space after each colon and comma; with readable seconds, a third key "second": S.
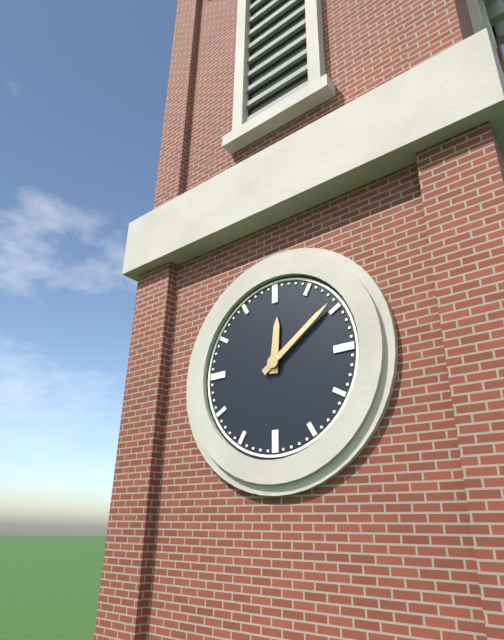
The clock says {"hour": 12, "minute": 9}
